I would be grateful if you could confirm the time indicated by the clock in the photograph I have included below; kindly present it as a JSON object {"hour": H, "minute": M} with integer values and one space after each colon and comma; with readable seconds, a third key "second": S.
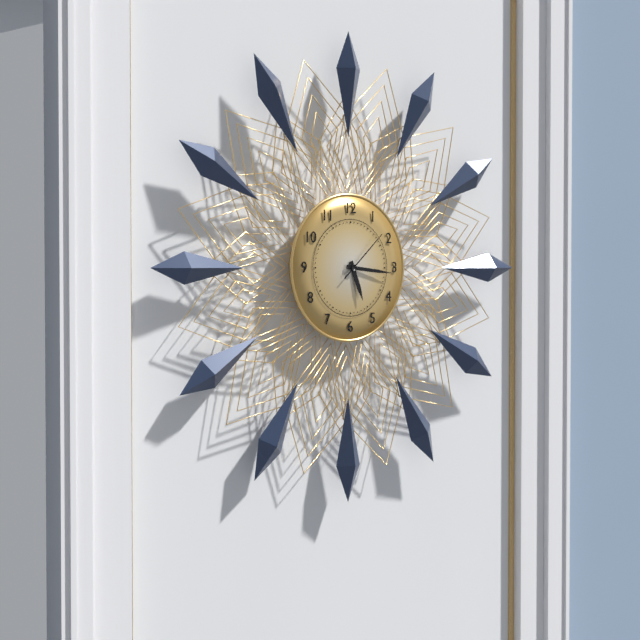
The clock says {"hour": 5, "minute": 16, "second": 8}
